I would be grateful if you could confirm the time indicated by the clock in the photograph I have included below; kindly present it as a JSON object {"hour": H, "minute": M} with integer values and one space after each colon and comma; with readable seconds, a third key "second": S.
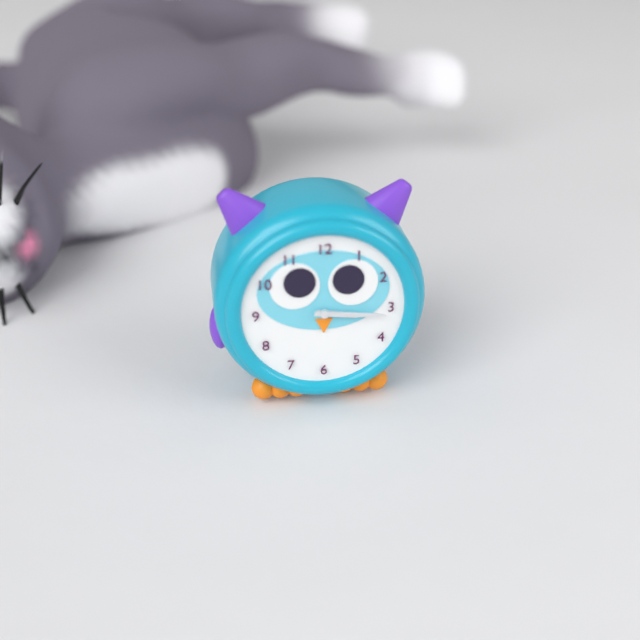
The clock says {"hour": 3, "minute": 16}
